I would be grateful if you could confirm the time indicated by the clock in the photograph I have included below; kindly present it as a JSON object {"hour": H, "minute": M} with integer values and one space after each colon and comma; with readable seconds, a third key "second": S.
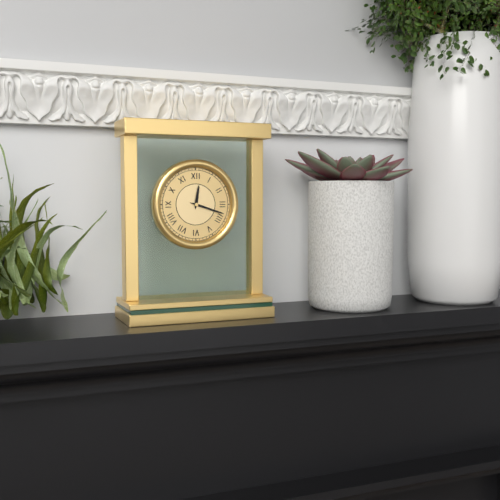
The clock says {"hour": 12, "minute": 18}
